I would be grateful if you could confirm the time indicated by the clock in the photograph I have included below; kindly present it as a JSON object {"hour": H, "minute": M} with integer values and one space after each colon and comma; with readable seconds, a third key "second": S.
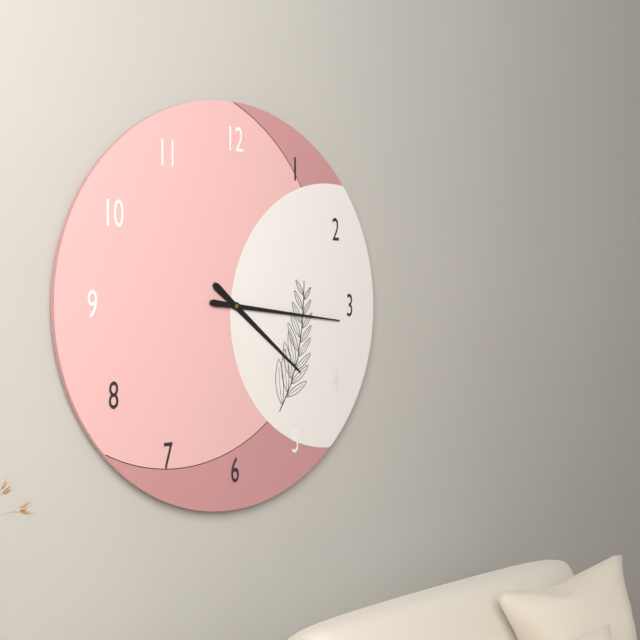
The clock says {"hour": 4, "minute": 16}
